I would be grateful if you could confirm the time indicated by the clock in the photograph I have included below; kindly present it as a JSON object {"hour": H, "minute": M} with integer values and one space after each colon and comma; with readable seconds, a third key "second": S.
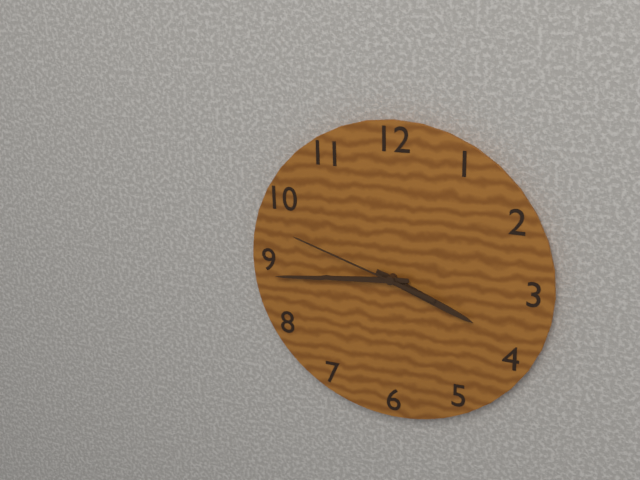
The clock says {"hour": 3, "minute": 44, "second": 48}
